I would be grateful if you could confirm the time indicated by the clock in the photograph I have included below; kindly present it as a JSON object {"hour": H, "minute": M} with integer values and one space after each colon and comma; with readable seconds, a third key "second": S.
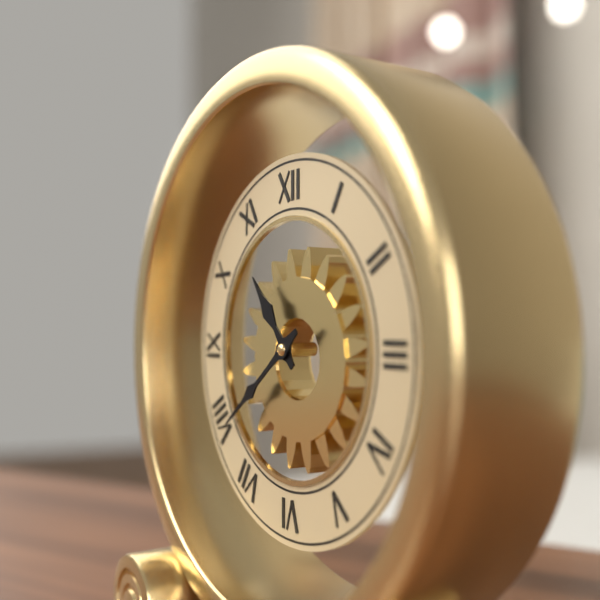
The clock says {"hour": 10, "minute": 39}
